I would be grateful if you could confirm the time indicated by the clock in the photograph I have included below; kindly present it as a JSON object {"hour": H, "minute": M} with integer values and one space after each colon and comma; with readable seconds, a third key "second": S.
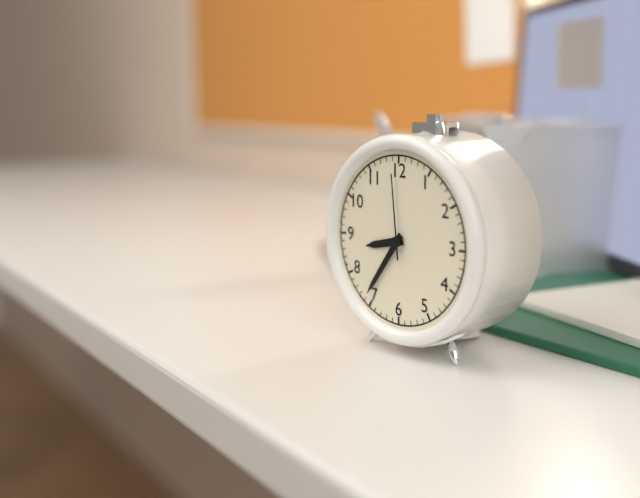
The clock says {"hour": 8, "minute": 36, "second": 59}
